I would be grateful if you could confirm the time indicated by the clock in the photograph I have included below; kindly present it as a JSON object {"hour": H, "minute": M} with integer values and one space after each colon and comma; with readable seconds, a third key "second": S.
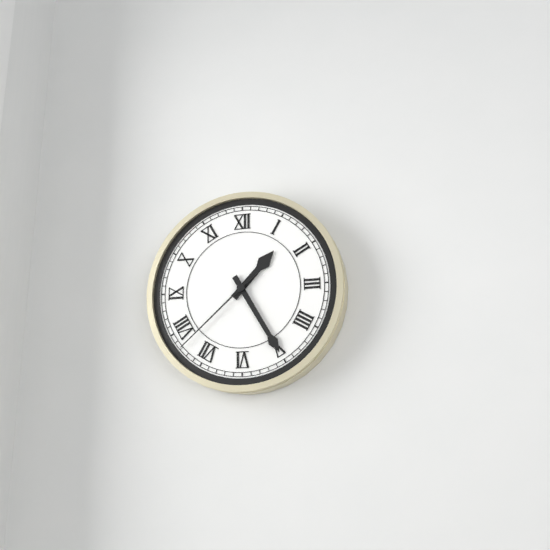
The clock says {"hour": 1, "minute": 25, "second": 38}
